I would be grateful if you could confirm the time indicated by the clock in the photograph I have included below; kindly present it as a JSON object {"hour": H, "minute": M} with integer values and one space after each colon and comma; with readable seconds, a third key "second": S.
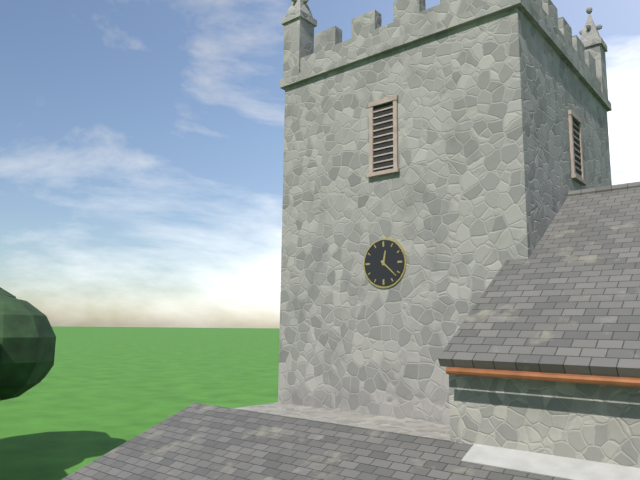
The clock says {"hour": 12, "minute": 22}
